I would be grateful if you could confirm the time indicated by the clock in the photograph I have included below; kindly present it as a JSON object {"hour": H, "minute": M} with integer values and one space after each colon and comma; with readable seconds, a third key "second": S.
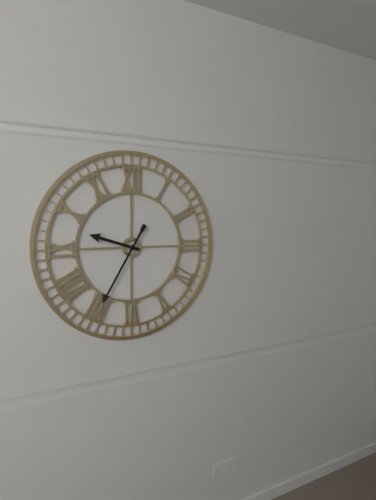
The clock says {"hour": 9, "minute": 35}
